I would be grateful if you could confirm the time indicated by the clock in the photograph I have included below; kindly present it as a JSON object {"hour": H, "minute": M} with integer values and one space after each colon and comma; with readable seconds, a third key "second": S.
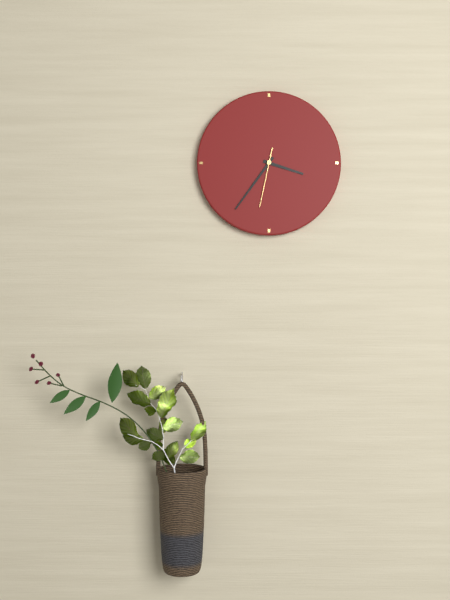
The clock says {"hour": 3, "minute": 36, "second": 32}
